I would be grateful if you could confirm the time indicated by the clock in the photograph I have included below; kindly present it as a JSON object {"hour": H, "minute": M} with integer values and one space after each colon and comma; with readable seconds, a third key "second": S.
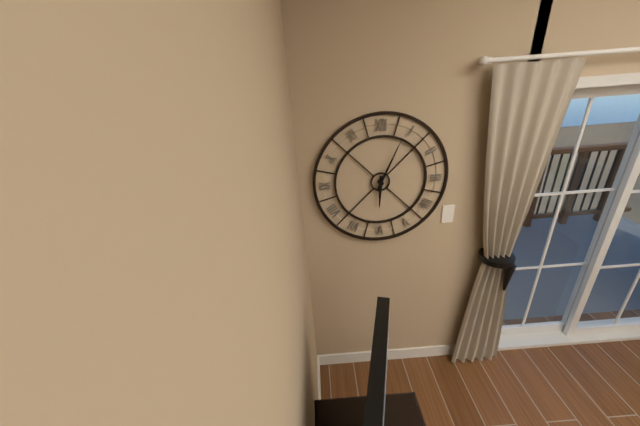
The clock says {"hour": 6, "minute": 4}
